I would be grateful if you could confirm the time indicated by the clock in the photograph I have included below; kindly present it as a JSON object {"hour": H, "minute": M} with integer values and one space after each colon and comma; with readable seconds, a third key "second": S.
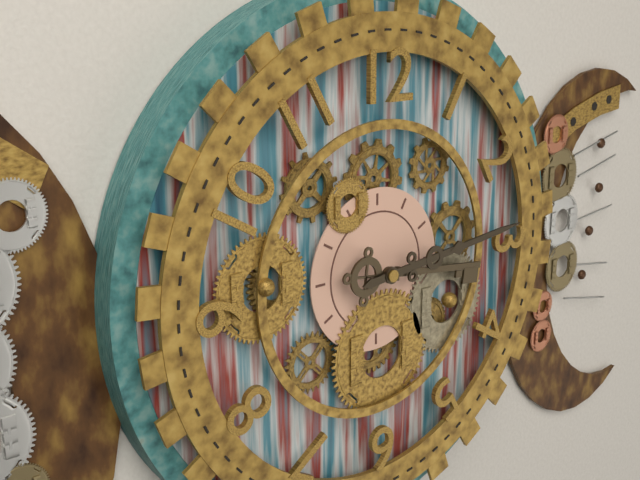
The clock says {"hour": 3, "minute": 14}
